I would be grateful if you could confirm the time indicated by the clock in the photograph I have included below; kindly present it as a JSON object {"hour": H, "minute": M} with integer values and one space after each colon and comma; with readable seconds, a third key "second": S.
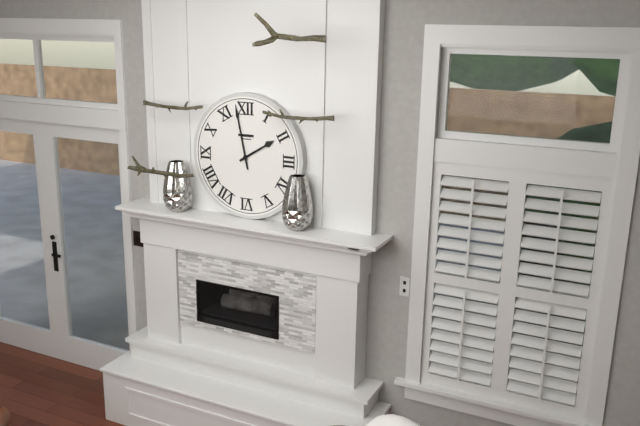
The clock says {"hour": 1, "minute": 58}
